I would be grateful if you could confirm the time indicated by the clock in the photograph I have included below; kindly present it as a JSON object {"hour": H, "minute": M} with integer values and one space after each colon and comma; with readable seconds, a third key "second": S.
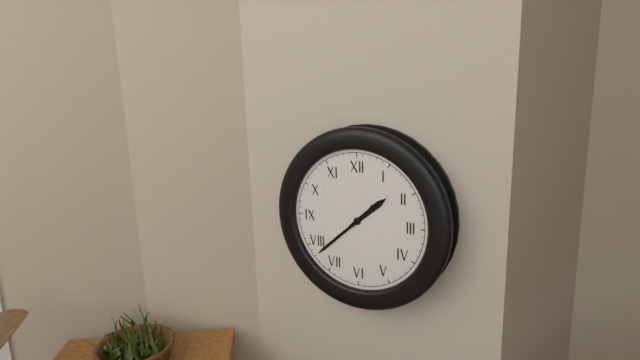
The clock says {"hour": 1, "minute": 38}
